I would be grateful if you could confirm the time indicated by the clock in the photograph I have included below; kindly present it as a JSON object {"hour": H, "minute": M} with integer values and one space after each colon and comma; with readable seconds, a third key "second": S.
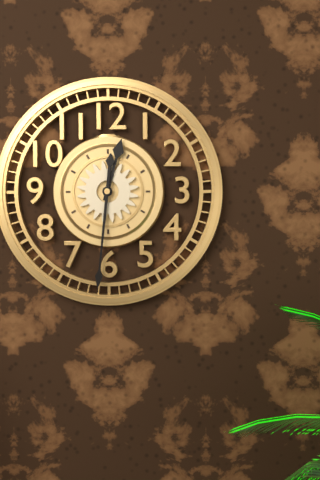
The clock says {"hour": 12, "minute": 31}
